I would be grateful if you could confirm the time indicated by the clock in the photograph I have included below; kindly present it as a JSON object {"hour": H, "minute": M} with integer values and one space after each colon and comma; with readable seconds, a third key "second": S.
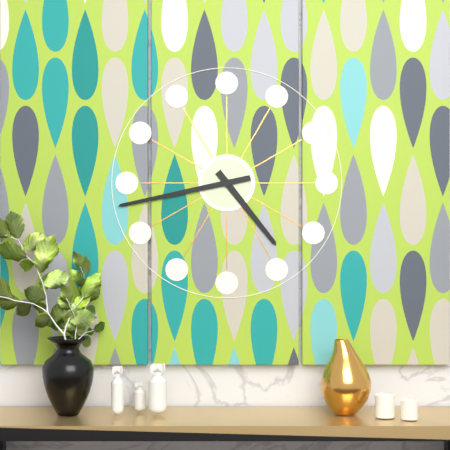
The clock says {"hour": 4, "minute": 43}
